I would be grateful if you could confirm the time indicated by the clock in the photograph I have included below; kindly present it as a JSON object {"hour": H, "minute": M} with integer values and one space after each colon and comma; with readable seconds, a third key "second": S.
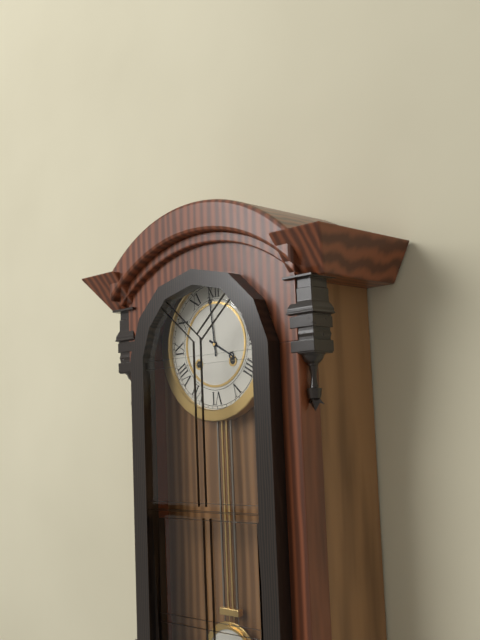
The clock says {"hour": 3, "minute": 59}
